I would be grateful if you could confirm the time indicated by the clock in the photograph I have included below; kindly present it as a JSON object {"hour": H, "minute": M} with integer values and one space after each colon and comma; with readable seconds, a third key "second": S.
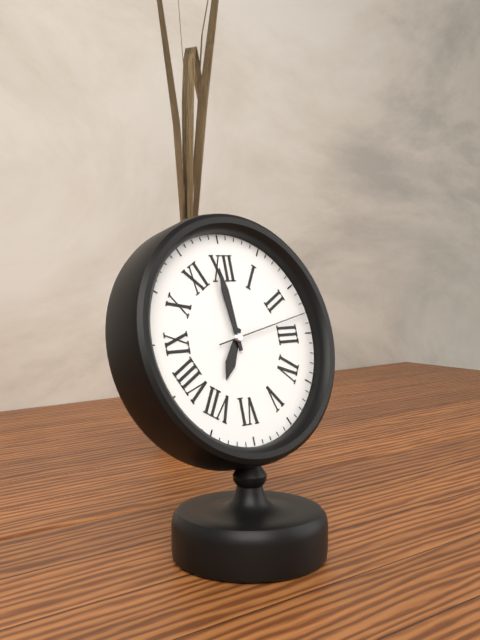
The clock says {"hour": 6, "minute": 59, "second": 13}
